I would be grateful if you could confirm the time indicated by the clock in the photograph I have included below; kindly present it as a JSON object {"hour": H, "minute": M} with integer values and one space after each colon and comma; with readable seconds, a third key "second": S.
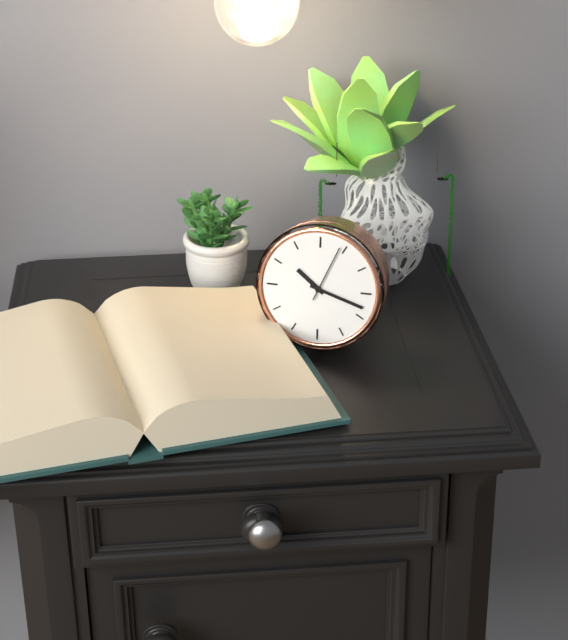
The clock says {"hour": 10, "minute": 18, "second": 4}
